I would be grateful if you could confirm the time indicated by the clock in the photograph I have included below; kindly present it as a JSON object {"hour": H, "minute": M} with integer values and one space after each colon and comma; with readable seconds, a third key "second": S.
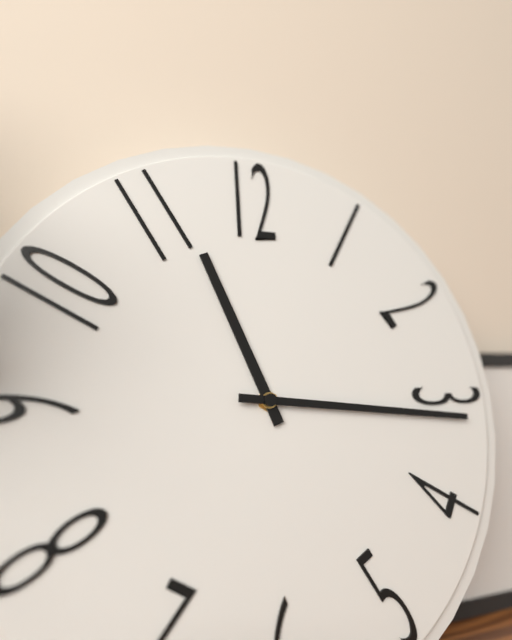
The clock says {"hour": 11, "minute": 16}
